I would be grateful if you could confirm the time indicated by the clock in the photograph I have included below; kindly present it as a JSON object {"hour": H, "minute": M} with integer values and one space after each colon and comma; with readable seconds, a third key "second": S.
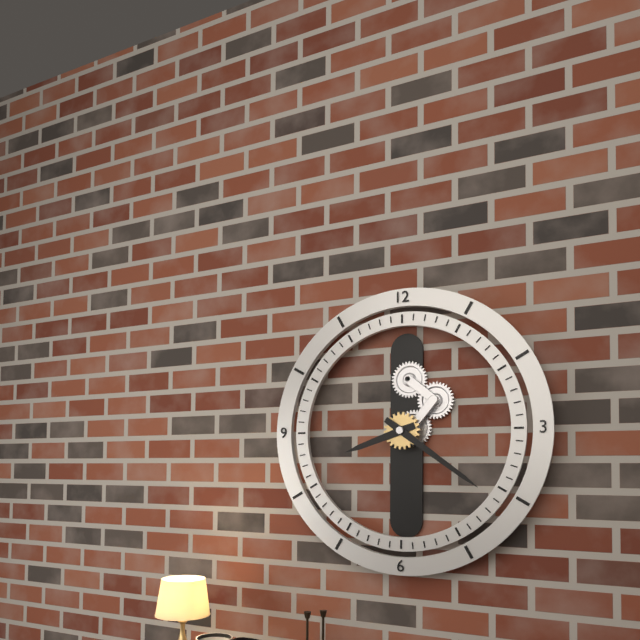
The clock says {"hour": 8, "minute": 21}
